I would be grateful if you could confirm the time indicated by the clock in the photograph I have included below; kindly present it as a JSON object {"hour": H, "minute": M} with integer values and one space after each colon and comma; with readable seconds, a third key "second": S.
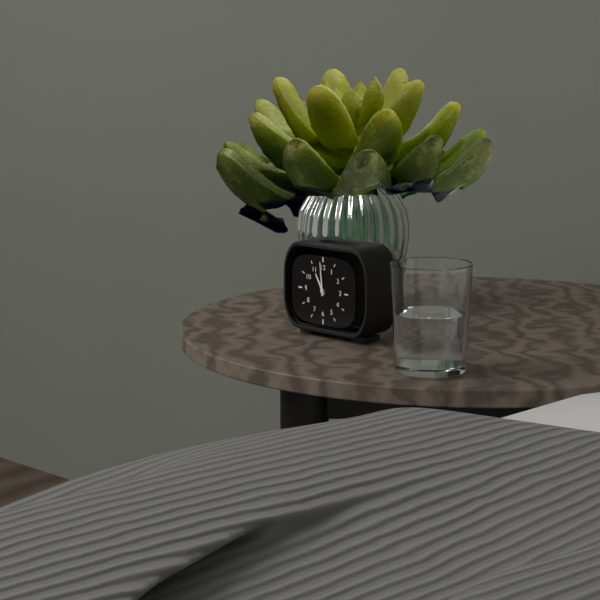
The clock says {"hour": 10, "minute": 59}
